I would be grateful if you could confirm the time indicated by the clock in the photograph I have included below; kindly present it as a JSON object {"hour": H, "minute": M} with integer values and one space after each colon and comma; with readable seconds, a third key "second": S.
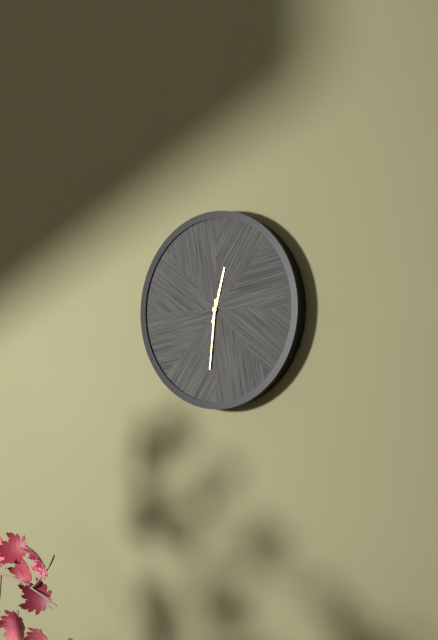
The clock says {"hour": 12, "minute": 31}
